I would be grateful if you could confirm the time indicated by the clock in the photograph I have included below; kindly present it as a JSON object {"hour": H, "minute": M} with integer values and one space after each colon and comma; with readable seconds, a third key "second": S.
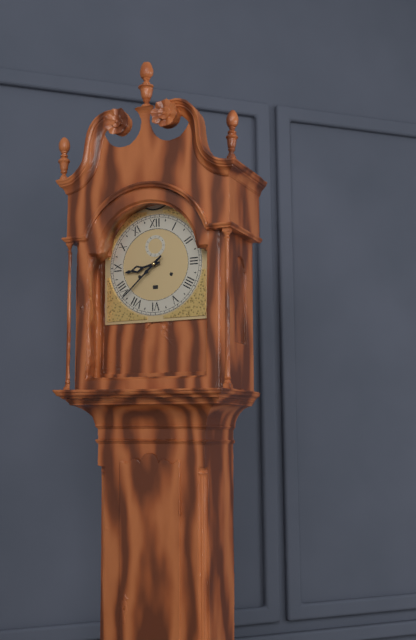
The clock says {"hour": 8, "minute": 38}
